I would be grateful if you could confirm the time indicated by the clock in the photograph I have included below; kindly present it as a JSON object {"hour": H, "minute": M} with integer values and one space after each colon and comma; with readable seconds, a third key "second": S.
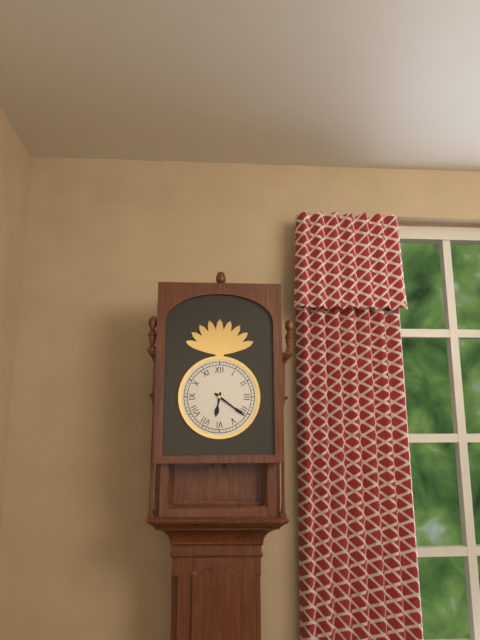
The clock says {"hour": 6, "minute": 21}
